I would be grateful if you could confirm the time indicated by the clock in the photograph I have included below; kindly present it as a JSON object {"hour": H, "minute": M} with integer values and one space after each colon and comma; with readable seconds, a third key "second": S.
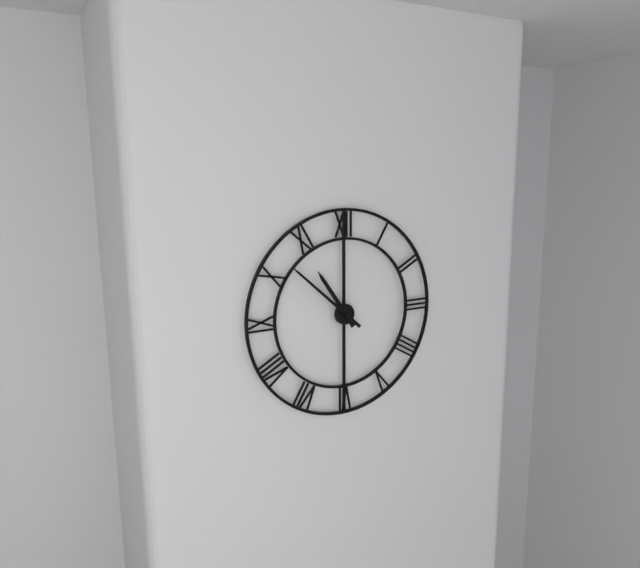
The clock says {"hour": 10, "minute": 52}
